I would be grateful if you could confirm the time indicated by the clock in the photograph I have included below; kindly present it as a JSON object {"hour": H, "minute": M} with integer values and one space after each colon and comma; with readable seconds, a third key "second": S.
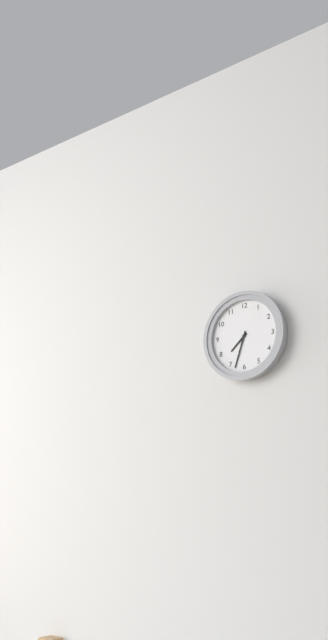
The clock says {"hour": 7, "minute": 33}
